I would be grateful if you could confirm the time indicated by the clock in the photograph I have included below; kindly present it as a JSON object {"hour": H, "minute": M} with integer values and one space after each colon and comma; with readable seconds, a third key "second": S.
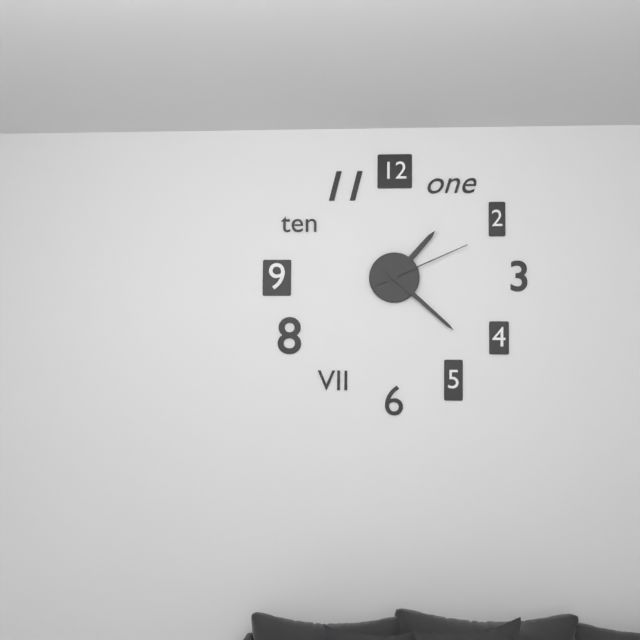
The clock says {"hour": 1, "minute": 22, "second": 11}
